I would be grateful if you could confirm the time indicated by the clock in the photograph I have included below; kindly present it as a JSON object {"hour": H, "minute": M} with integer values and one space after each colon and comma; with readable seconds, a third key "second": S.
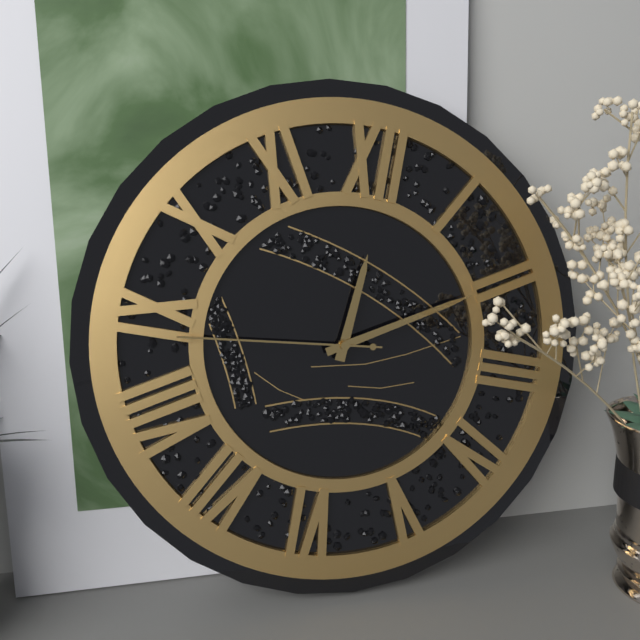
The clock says {"hour": 12, "minute": 10, "second": 44}
